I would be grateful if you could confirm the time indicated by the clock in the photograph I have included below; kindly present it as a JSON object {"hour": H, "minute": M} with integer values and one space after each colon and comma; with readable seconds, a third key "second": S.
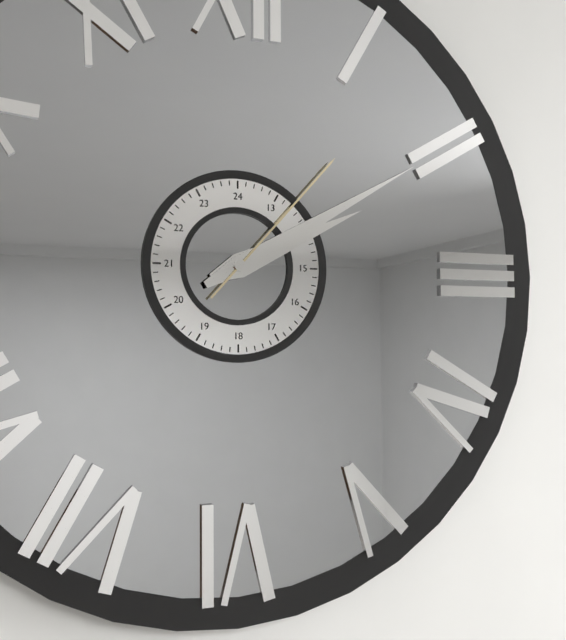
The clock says {"hour": 2, "minute": 10, "second": 7}
